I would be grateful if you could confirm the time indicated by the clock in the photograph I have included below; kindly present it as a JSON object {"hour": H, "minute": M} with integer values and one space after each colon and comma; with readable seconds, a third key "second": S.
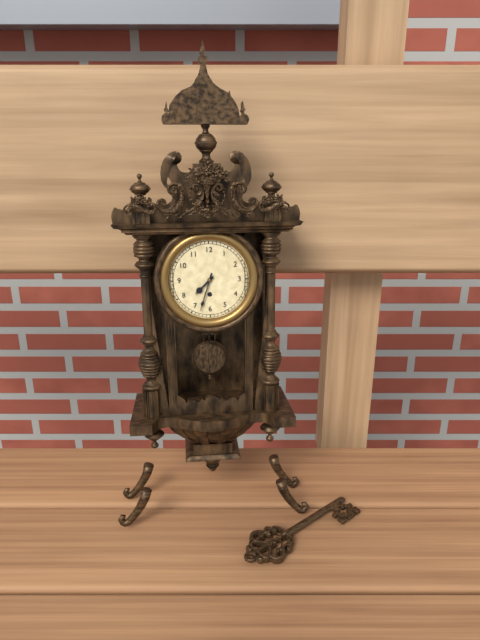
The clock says {"hour": 7, "minute": 33}
